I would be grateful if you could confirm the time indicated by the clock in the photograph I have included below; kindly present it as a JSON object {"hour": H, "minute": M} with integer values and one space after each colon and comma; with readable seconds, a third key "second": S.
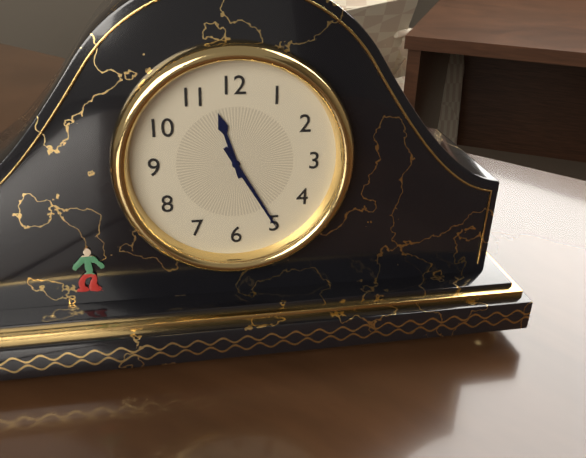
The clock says {"hour": 11, "minute": 25}
